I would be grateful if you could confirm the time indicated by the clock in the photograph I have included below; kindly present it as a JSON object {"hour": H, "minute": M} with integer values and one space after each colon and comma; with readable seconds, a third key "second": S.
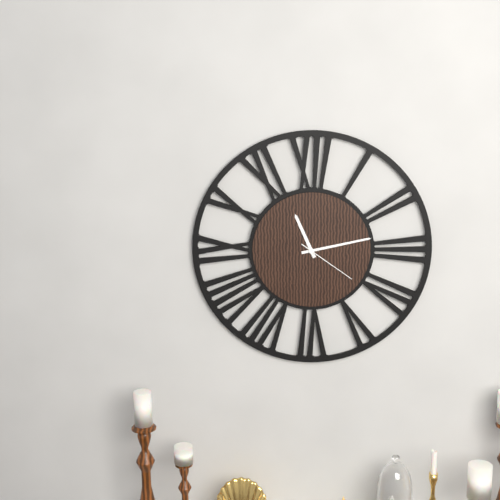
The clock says {"hour": 11, "minute": 13, "second": 21}
